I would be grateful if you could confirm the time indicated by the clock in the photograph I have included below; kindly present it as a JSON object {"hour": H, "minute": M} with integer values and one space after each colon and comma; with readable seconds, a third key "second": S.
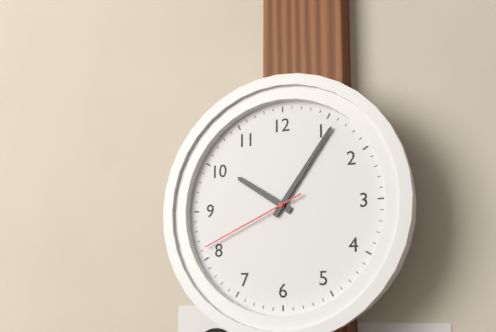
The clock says {"hour": 10, "minute": 6, "second": 41}
